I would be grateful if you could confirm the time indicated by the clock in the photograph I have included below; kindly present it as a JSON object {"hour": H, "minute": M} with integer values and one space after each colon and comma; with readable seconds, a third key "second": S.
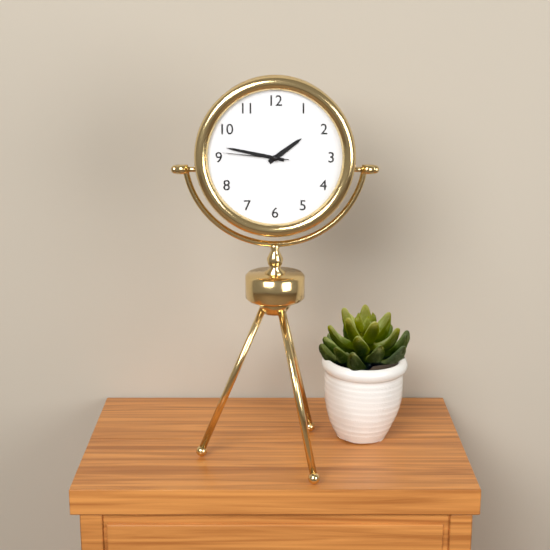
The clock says {"hour": 1, "minute": 47, "second": 46}
